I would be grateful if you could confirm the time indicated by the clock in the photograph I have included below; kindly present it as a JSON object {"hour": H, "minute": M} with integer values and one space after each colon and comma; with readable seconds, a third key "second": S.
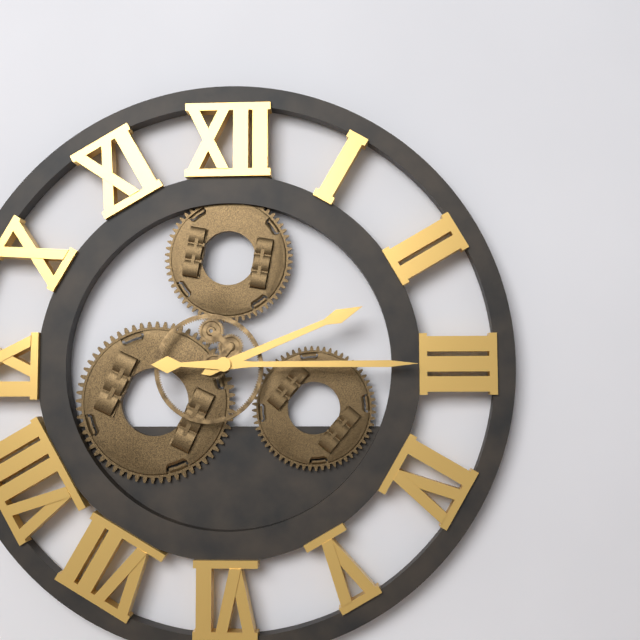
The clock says {"hour": 2, "minute": 15}
